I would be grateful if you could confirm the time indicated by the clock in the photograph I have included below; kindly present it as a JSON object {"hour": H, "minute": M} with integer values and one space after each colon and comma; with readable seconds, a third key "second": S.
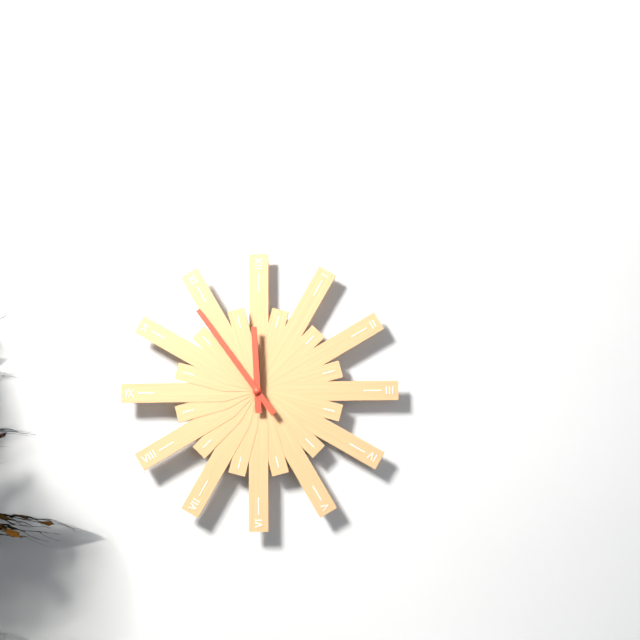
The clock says {"hour": 11, "minute": 54}
